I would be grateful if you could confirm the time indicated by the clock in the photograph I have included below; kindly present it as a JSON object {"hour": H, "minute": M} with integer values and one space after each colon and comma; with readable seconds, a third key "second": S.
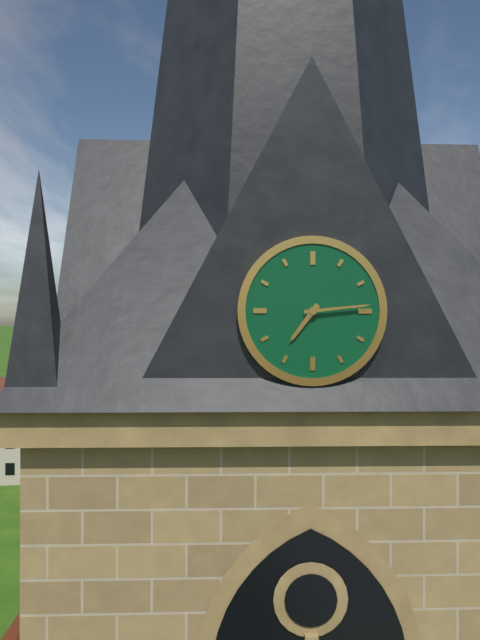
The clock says {"hour": 7, "minute": 14}
